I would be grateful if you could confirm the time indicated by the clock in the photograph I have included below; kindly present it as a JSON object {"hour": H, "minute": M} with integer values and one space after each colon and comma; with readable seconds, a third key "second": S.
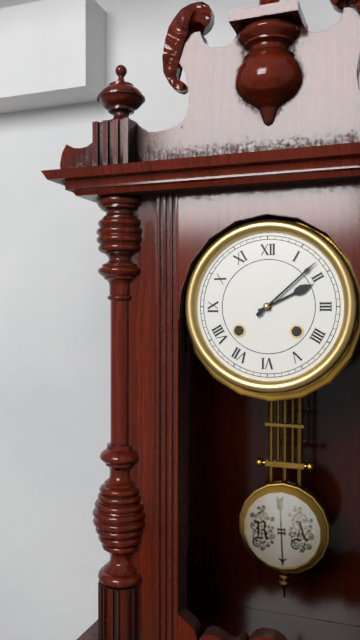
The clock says {"hour": 2, "minute": 8}
